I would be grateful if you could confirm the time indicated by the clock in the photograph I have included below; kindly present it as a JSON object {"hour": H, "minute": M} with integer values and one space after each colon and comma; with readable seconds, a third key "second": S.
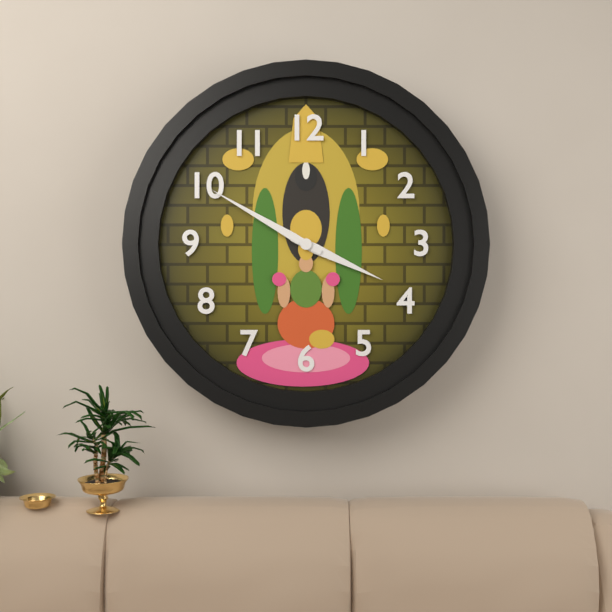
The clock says {"hour": 3, "minute": 50}
